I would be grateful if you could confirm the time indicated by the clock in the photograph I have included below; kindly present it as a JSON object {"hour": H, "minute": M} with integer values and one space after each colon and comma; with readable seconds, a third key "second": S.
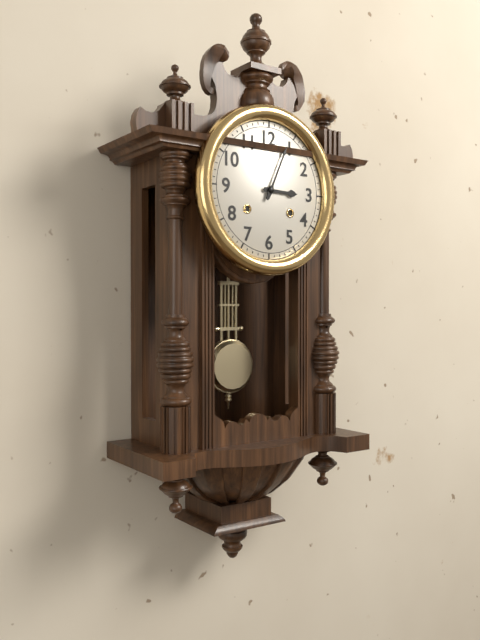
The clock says {"hour": 3, "minute": 4}
